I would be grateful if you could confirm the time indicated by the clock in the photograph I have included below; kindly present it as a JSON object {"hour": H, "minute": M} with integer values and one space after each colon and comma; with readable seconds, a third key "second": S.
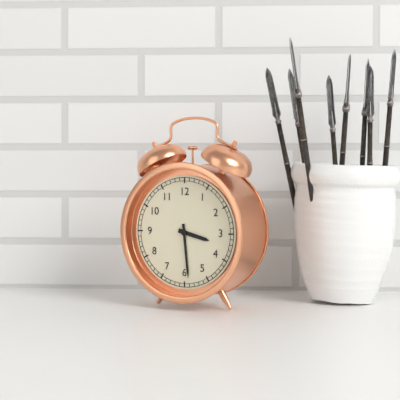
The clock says {"hour": 3, "minute": 29}
